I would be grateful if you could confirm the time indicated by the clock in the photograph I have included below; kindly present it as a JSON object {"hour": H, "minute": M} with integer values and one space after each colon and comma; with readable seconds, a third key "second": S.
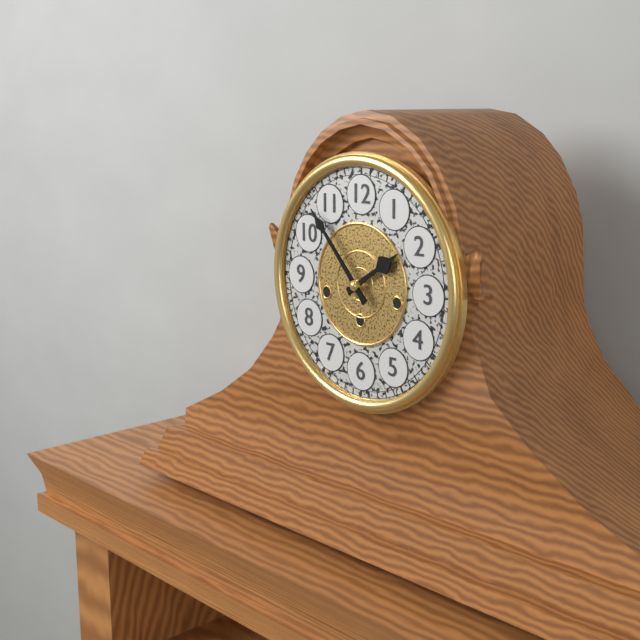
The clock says {"hour": 1, "minute": 53}
